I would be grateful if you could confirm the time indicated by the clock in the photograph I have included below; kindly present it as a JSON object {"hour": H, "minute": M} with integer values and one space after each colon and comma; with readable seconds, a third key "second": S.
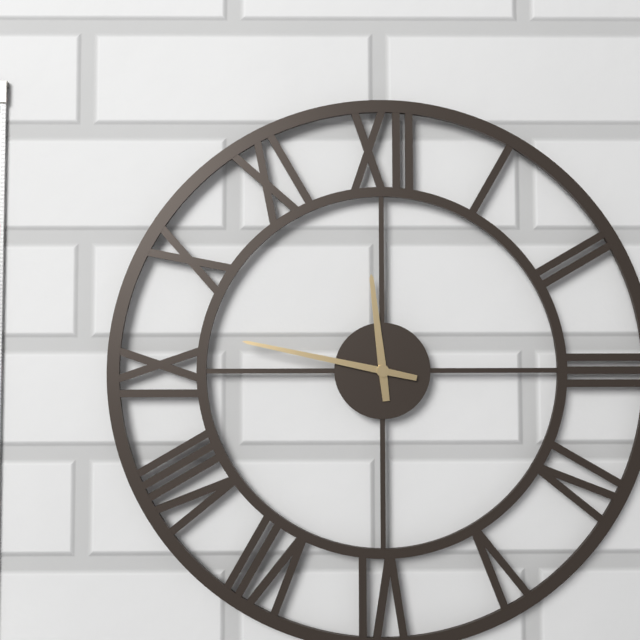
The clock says {"hour": 11, "minute": 47}
